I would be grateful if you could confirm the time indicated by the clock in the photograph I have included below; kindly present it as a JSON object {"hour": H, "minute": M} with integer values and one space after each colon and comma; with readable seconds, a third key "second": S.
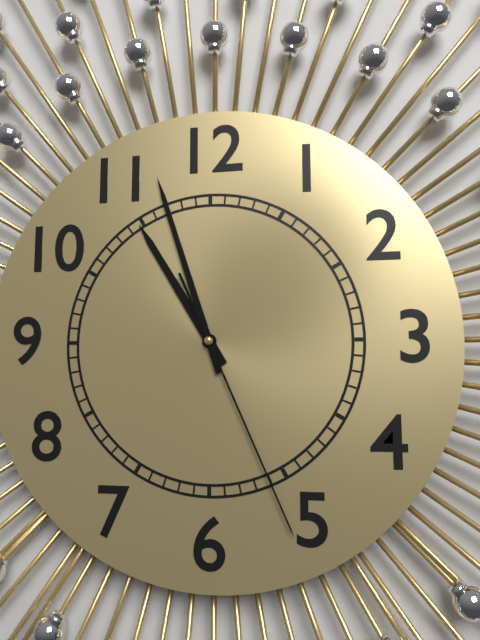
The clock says {"hour": 10, "minute": 57, "second": 26}
